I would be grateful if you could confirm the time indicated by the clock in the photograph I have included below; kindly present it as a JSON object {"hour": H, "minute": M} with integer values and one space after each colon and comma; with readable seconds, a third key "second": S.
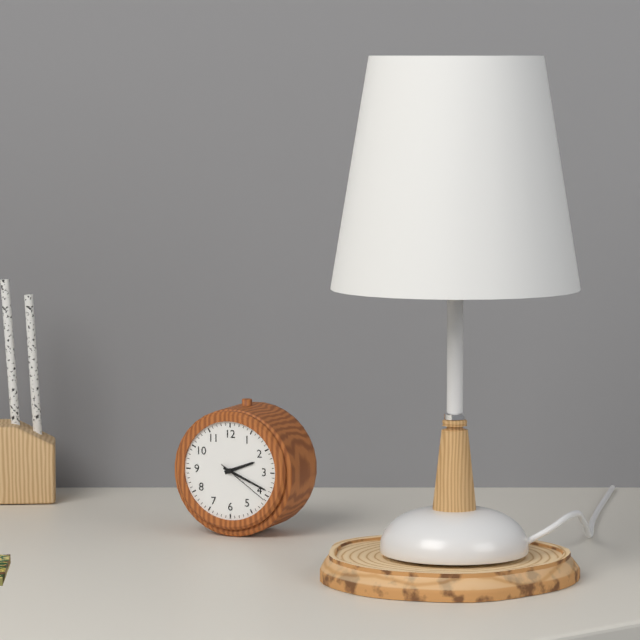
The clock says {"hour": 2, "minute": 19, "second": 21}
